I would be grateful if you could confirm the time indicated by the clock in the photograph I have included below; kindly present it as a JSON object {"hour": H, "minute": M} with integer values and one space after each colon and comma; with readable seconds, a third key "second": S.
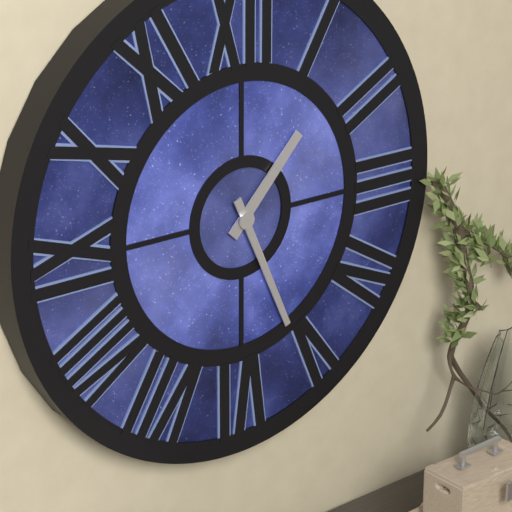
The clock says {"hour": 1, "minute": 26}
